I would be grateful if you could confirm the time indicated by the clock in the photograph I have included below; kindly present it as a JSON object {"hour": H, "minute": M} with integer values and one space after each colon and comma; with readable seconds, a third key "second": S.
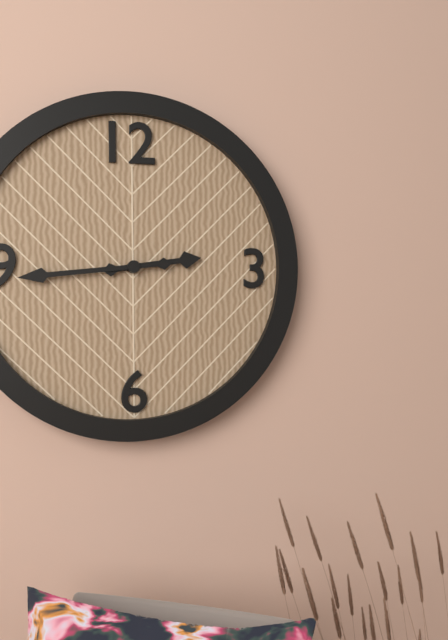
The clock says {"hour": 2, "minute": 44}
